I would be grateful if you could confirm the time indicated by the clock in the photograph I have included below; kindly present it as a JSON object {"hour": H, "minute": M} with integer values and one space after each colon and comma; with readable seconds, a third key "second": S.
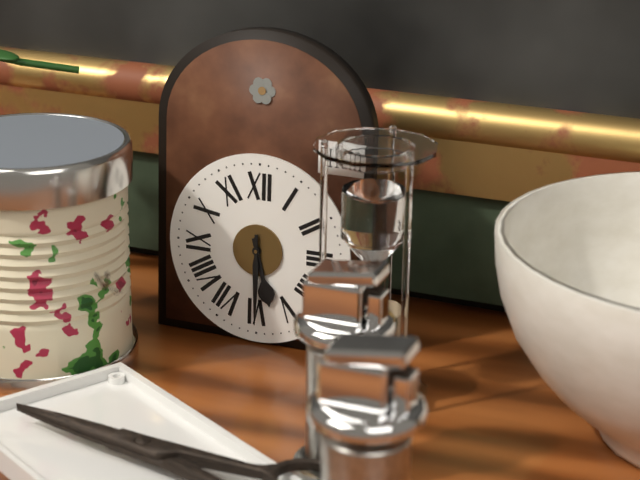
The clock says {"hour": 5, "minute": 30}
